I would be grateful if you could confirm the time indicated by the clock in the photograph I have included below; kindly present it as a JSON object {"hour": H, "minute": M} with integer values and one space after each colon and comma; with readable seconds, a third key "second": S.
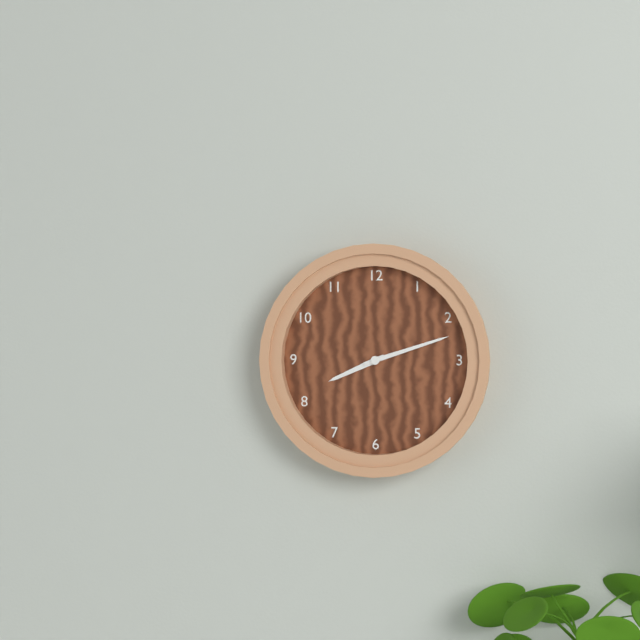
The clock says {"hour": 8, "minute": 12}
